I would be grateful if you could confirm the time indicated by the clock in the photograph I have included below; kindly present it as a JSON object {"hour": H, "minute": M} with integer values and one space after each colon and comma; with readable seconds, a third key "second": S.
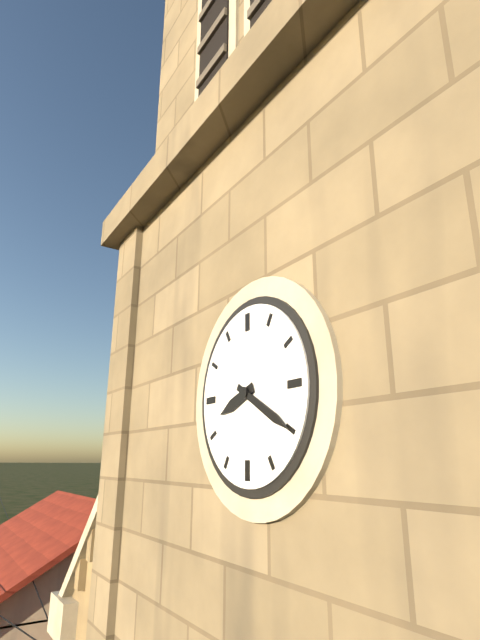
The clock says {"hour": 8, "minute": 20}
